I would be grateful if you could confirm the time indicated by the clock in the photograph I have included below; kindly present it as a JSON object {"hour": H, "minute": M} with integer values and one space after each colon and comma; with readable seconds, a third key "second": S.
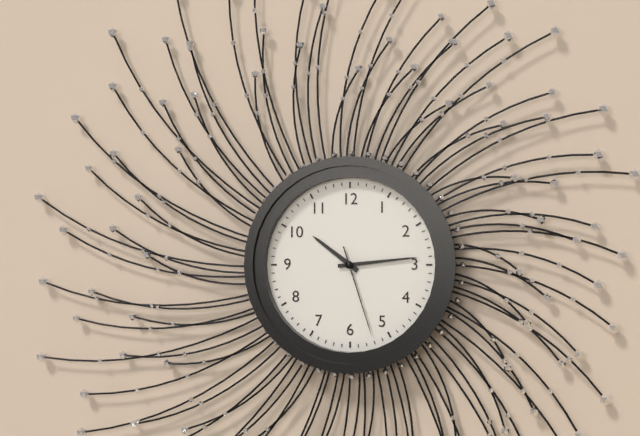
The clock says {"hour": 10, "minute": 14, "second": 27}
